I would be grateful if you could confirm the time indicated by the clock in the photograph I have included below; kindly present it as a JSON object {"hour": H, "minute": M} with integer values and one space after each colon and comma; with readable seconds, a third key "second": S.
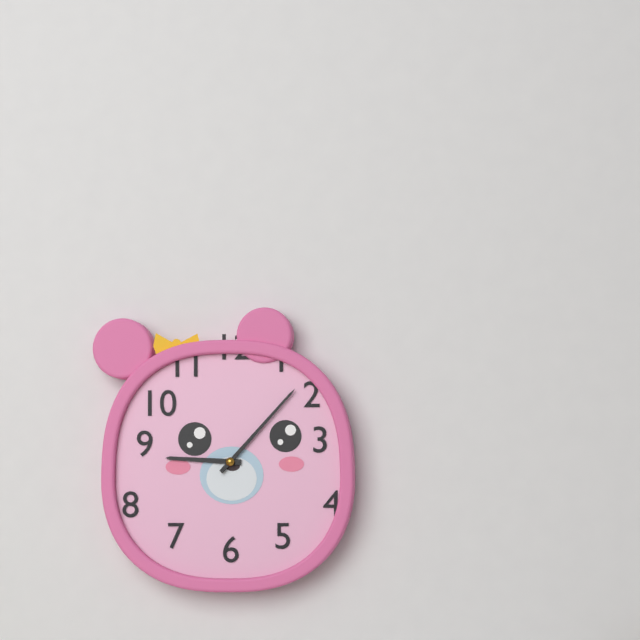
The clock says {"hour": 9, "minute": 7}
